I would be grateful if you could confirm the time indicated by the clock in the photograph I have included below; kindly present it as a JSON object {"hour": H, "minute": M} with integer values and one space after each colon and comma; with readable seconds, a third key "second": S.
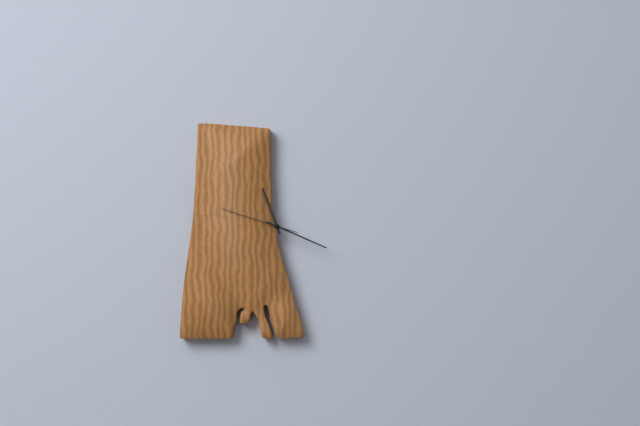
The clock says {"hour": 11, "minute": 19, "second": 48}
